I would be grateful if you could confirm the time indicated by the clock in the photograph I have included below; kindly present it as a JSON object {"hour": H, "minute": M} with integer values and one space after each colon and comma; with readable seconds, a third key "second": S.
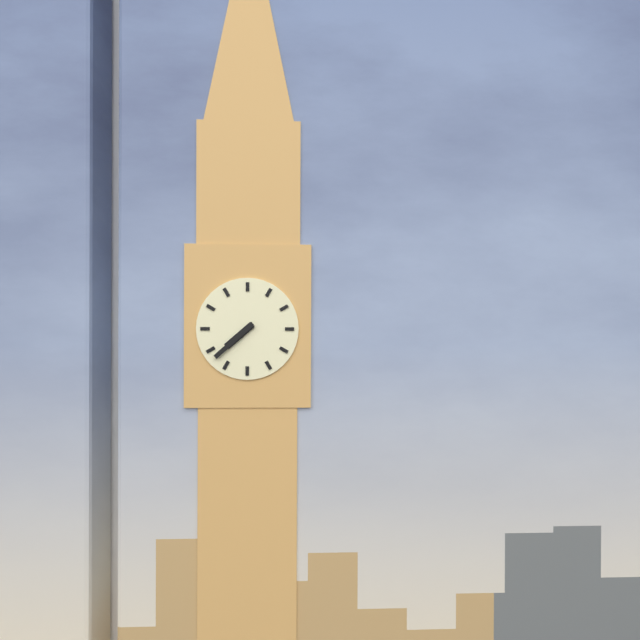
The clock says {"hour": 7, "minute": 38}
